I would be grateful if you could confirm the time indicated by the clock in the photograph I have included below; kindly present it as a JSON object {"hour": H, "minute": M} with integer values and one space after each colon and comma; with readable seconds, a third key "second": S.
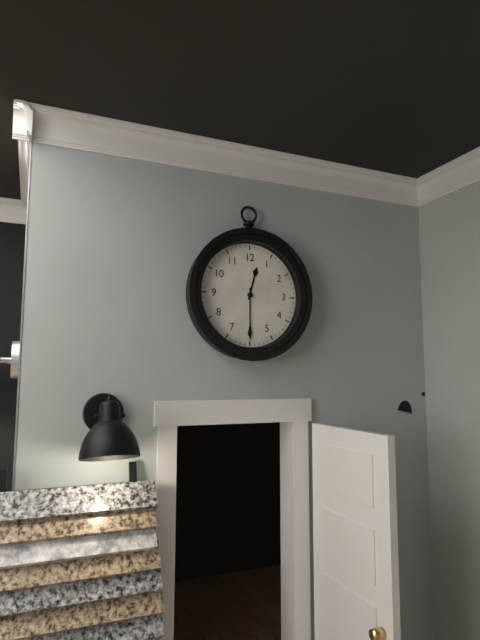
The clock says {"hour": 12, "minute": 30}
